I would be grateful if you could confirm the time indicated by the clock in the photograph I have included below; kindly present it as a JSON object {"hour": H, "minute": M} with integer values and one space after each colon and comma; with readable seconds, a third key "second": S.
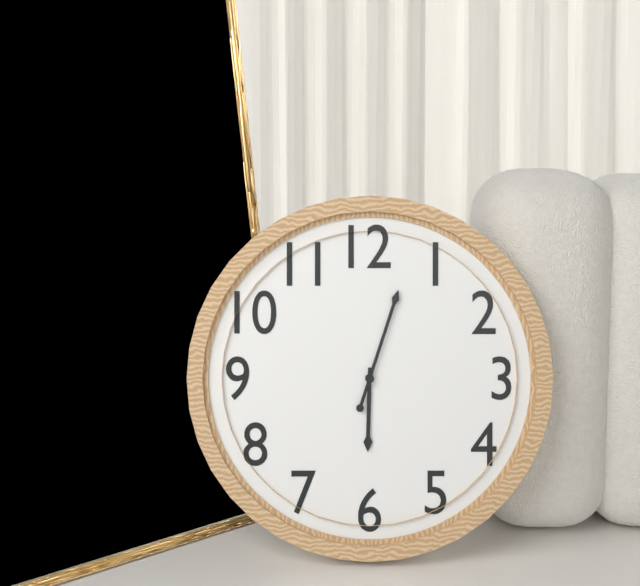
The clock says {"hour": 6, "minute": 3}
